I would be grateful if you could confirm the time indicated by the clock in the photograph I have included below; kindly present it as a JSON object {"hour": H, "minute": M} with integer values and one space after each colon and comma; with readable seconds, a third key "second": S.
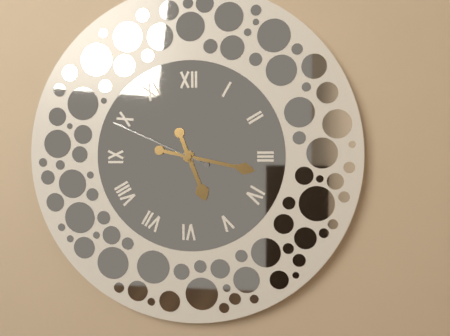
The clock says {"hour": 5, "minute": 17, "second": 49}
